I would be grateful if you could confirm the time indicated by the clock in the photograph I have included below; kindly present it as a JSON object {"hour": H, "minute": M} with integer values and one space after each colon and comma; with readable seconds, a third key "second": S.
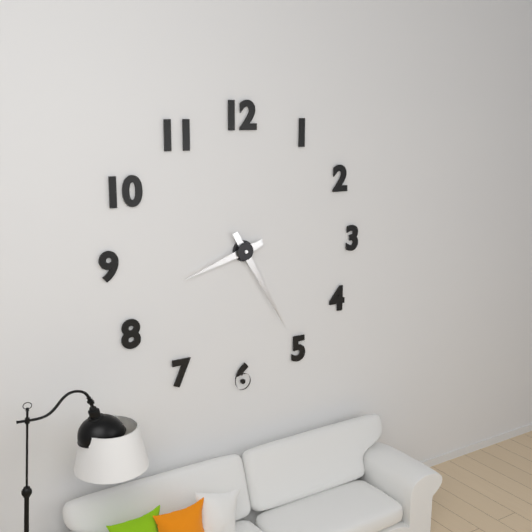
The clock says {"hour": 8, "minute": 25}
